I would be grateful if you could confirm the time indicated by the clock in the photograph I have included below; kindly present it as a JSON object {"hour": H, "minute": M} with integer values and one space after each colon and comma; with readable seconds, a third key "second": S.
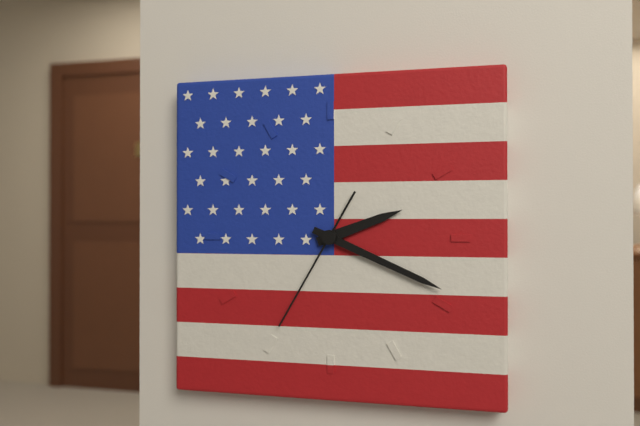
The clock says {"hour": 2, "minute": 19, "second": 35}
